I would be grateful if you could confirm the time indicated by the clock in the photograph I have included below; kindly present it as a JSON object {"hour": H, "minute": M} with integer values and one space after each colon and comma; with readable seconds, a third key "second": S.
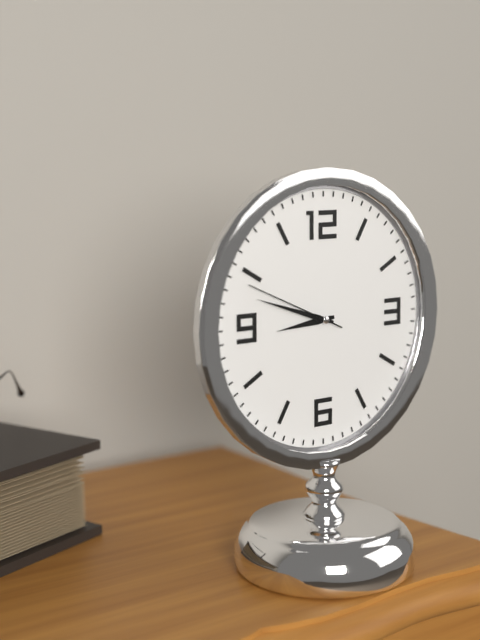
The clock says {"hour": 8, "minute": 48, "second": 49}
